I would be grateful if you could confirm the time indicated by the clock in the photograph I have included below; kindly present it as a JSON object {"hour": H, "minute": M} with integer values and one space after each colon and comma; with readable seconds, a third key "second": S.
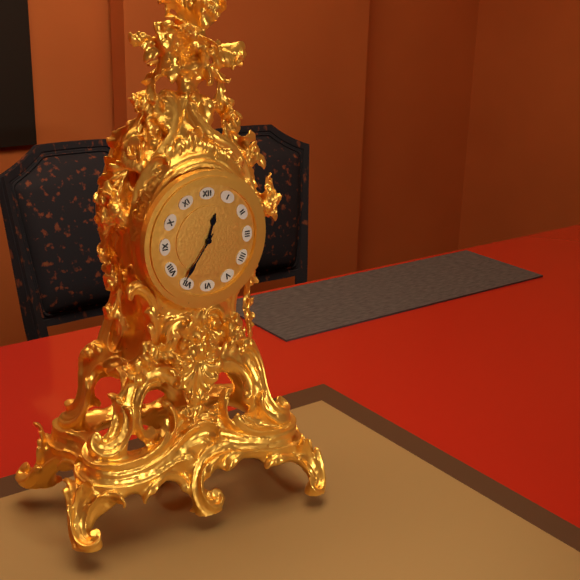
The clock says {"hour": 12, "minute": 36}
